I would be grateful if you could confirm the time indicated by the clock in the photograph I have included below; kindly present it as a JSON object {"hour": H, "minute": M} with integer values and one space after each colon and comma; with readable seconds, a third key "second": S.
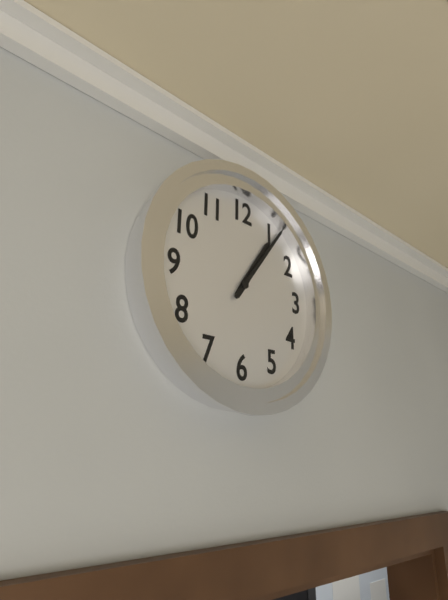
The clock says {"hour": 1, "minute": 6}
